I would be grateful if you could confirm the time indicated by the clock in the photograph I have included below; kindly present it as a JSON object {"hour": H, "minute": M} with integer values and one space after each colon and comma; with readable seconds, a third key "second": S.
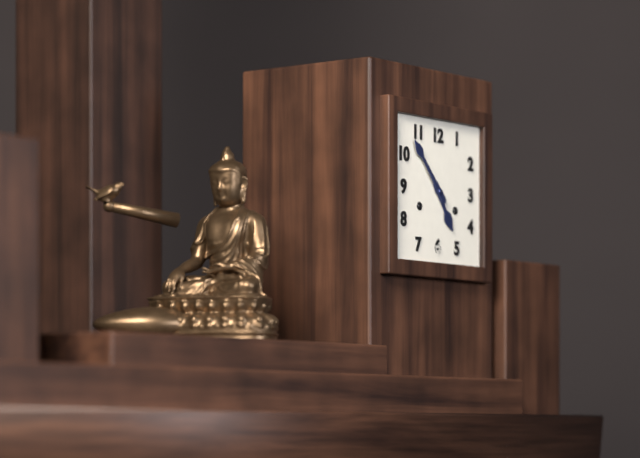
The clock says {"hour": 4, "minute": 53}
